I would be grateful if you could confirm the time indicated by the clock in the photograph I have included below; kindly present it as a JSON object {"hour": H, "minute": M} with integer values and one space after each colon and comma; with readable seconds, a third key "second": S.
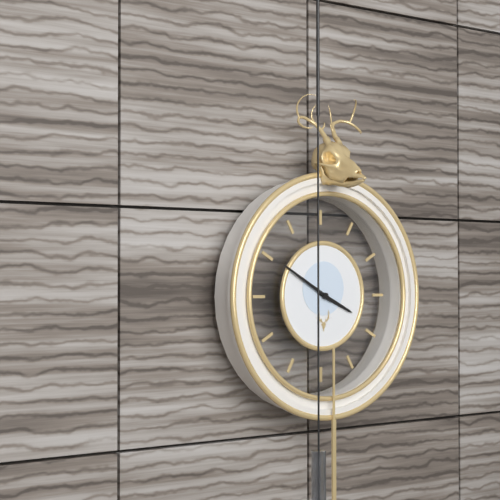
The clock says {"hour": 3, "minute": 50}
